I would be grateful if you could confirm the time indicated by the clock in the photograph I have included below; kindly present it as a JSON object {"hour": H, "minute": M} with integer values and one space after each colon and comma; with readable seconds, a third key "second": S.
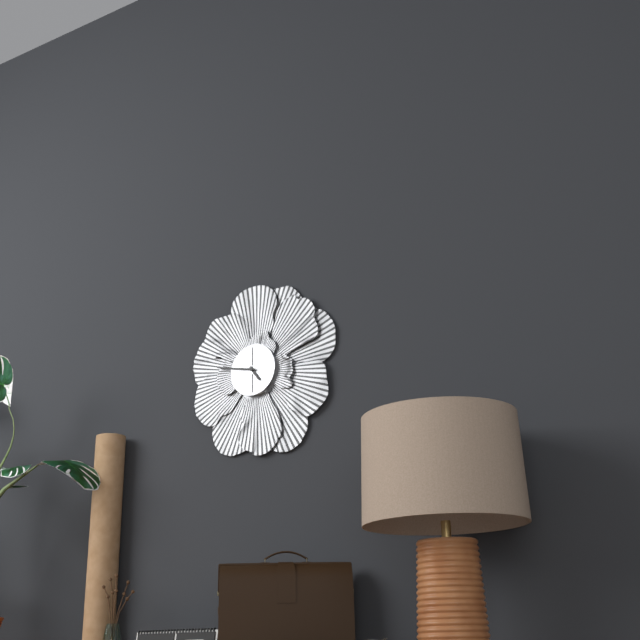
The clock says {"hour": 4, "minute": 47}
